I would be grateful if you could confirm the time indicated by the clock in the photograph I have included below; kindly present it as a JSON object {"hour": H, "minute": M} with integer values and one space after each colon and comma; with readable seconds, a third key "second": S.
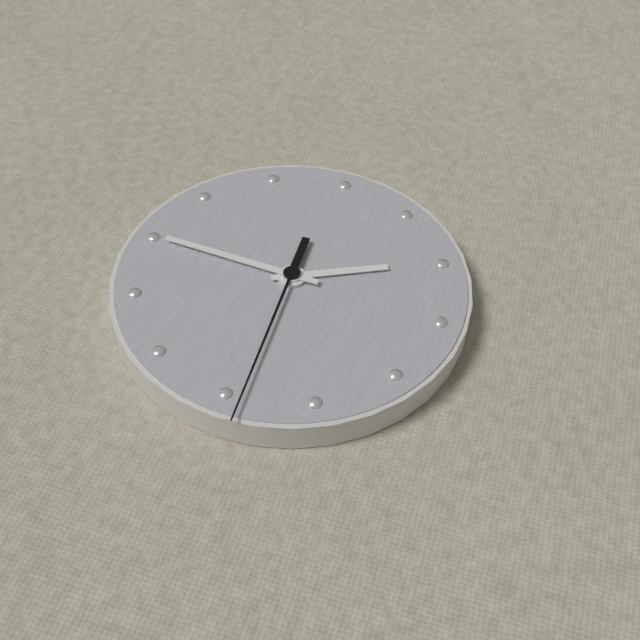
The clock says {"hour": 5, "minute": 0, "second": 44}
